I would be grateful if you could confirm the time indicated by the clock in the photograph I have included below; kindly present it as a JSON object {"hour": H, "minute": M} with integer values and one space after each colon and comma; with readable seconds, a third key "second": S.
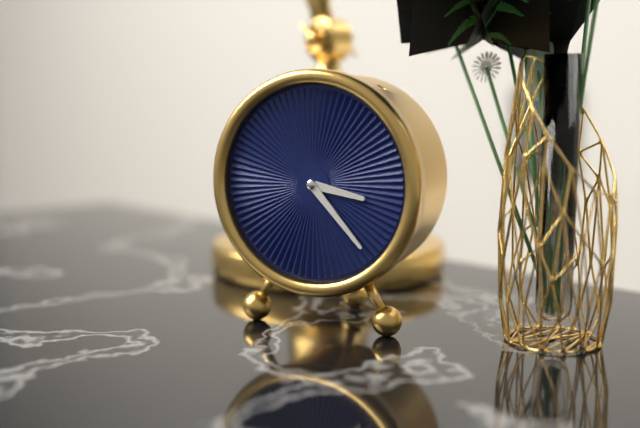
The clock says {"hour": 3, "minute": 23}
